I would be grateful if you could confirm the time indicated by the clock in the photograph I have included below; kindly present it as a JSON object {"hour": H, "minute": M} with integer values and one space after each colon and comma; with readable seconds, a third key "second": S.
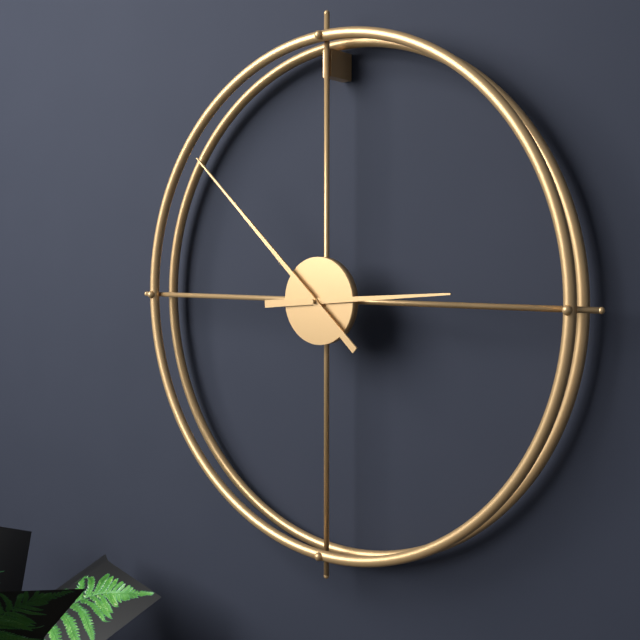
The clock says {"hour": 2, "minute": 52}
